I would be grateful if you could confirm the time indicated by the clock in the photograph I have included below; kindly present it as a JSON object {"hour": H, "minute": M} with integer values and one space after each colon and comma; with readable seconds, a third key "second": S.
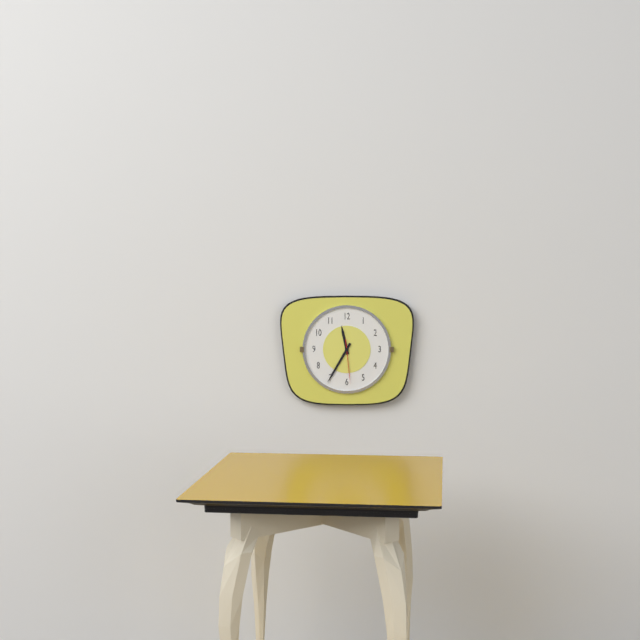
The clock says {"hour": 11, "minute": 35}
